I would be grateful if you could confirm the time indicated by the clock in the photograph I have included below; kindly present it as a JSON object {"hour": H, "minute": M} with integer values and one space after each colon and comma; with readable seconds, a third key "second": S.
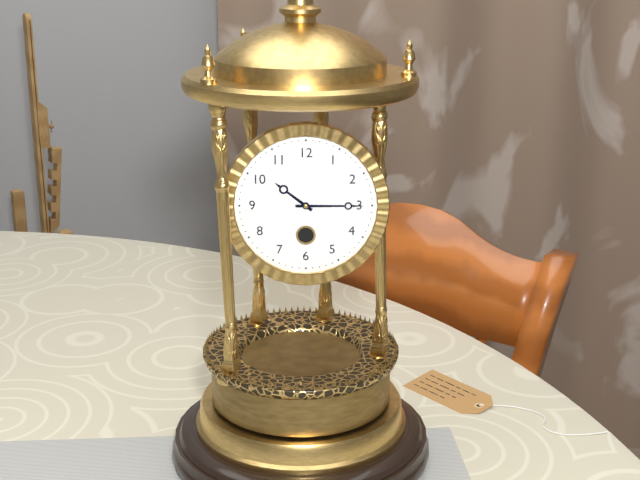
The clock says {"hour": 10, "minute": 15}
